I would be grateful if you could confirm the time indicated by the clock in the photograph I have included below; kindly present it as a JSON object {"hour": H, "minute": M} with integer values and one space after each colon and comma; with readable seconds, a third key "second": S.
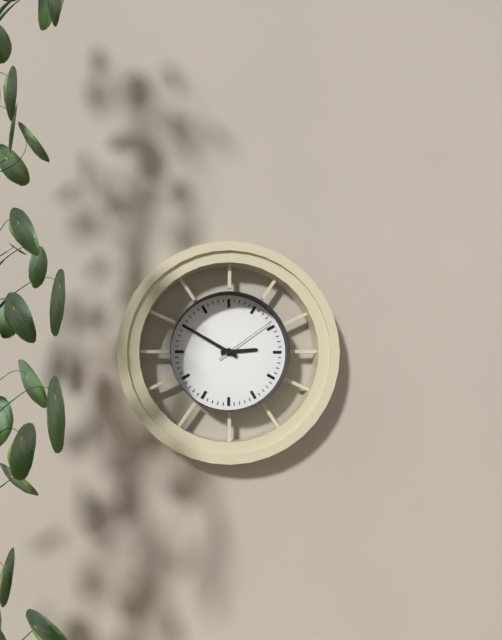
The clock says {"hour": 2, "minute": 50, "second": 9}
